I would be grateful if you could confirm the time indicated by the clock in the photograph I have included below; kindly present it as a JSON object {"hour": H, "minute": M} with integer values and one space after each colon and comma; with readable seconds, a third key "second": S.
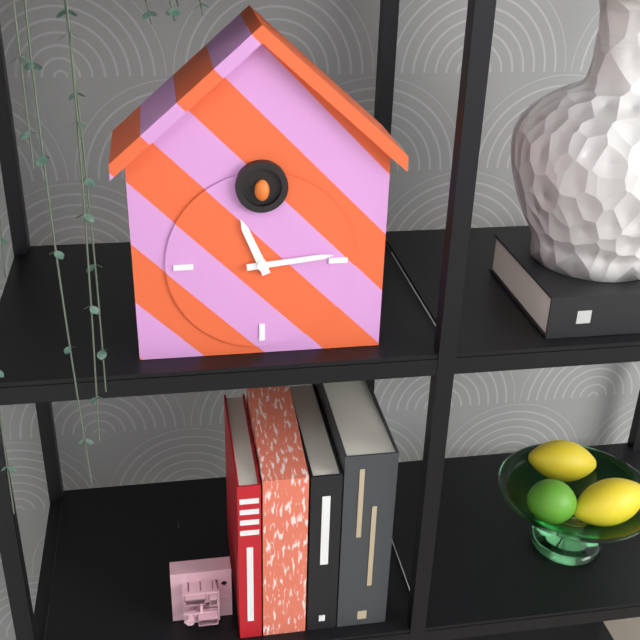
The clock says {"hour": 11, "minute": 14}
